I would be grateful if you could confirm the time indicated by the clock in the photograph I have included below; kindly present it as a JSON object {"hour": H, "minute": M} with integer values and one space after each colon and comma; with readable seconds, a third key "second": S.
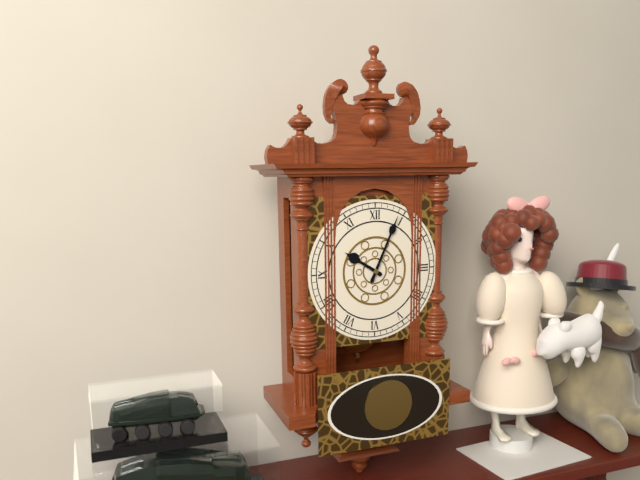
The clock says {"hour": 10, "minute": 4}
